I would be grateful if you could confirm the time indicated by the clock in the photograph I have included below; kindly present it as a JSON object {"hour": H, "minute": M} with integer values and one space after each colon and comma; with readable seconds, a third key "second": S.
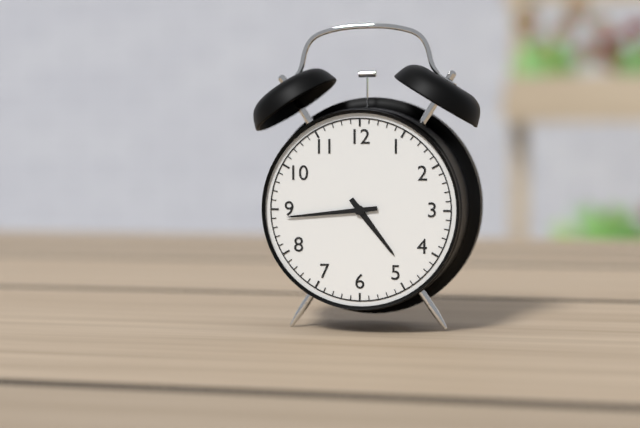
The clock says {"hour": 4, "minute": 44}
